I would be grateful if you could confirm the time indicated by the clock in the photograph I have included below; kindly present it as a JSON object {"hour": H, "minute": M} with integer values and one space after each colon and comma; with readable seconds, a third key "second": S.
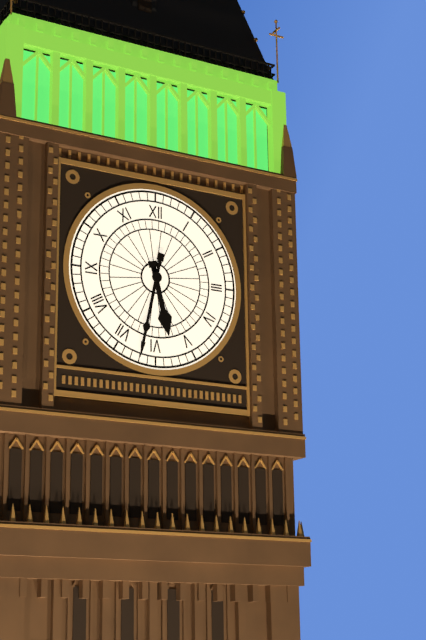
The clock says {"hour": 5, "minute": 32}
